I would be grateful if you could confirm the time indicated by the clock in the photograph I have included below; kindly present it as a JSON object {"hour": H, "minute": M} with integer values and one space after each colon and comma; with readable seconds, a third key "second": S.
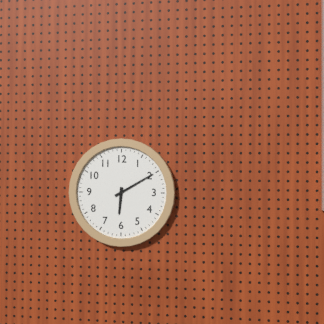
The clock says {"hour": 6, "minute": 10}
